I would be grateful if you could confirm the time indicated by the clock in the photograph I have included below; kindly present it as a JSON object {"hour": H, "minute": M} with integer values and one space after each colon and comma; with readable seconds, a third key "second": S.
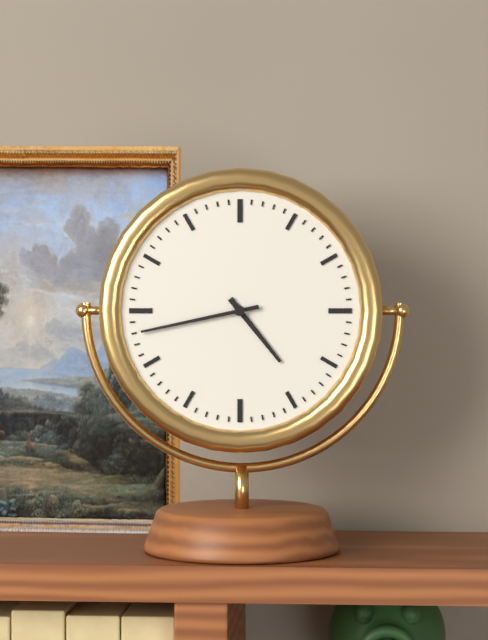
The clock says {"hour": 4, "minute": 43}
